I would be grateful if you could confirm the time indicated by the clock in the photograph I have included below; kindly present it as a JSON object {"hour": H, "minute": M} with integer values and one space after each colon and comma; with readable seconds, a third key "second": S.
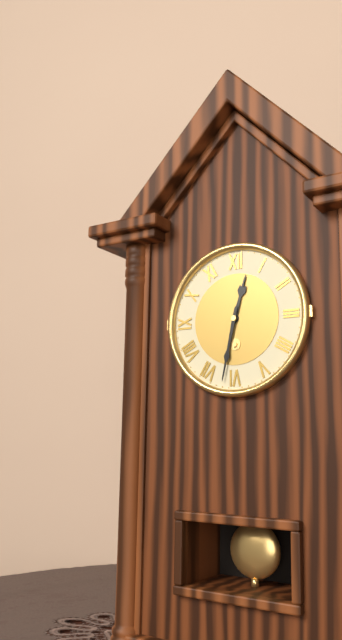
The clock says {"hour": 12, "minute": 32}
